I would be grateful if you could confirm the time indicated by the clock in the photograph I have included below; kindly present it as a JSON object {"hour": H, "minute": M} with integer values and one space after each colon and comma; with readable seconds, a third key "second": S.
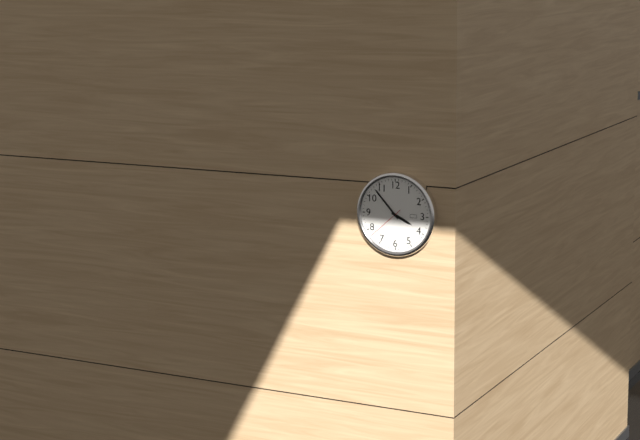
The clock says {"hour": 3, "minute": 53}
